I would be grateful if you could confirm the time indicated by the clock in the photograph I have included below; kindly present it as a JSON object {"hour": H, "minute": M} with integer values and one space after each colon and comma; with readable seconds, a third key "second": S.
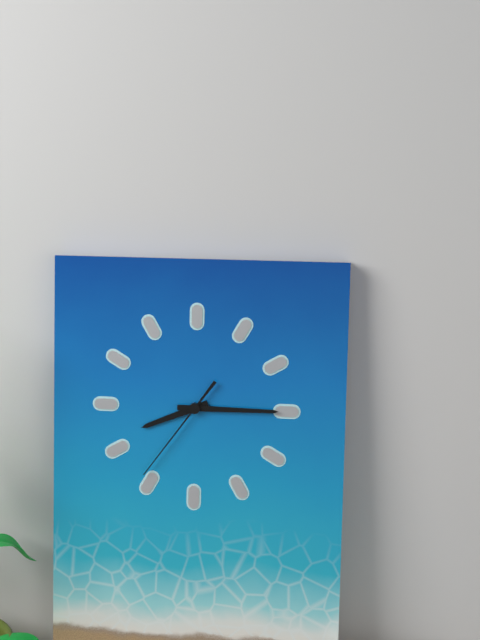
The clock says {"hour": 8, "minute": 15, "second": 36}
